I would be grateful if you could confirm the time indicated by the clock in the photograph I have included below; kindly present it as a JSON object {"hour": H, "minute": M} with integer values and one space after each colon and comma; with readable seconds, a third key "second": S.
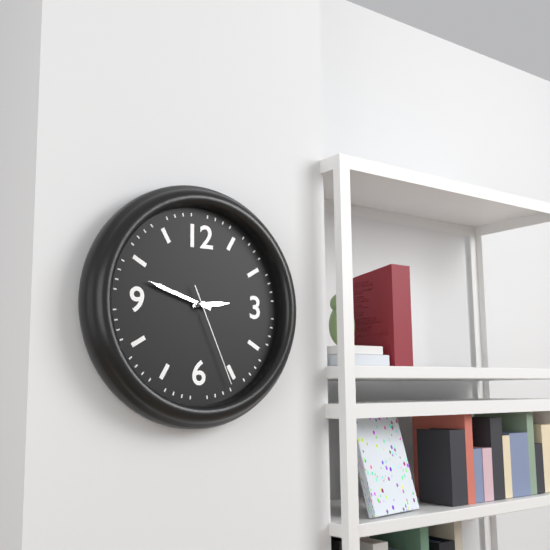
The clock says {"hour": 2, "minute": 48, "second": 26}
